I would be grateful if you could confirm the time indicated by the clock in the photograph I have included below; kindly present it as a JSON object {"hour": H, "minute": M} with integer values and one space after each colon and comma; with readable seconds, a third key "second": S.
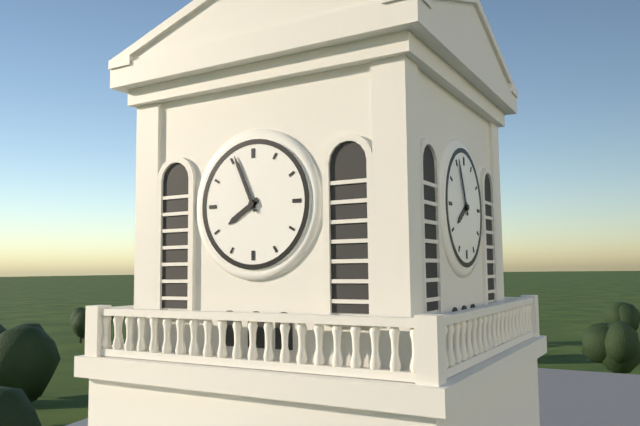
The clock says {"hour": 7, "minute": 56}
